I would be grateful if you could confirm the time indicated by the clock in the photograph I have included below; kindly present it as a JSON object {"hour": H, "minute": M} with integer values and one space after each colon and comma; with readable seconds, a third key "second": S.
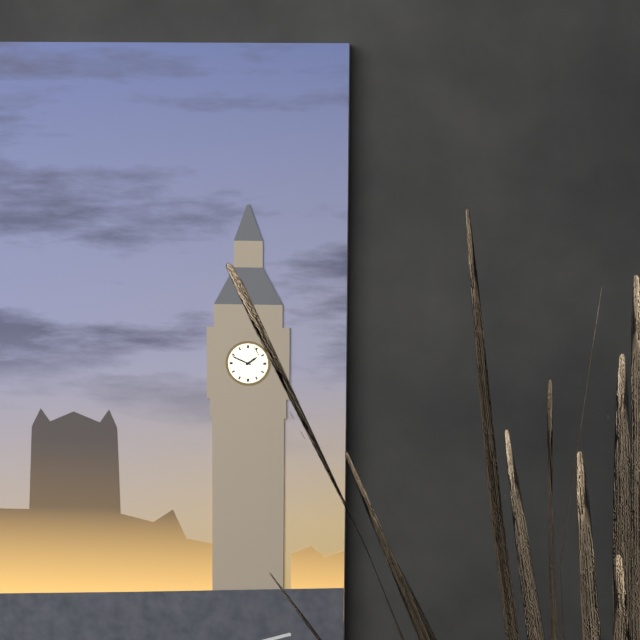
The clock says {"hour": 1, "minute": 49}
